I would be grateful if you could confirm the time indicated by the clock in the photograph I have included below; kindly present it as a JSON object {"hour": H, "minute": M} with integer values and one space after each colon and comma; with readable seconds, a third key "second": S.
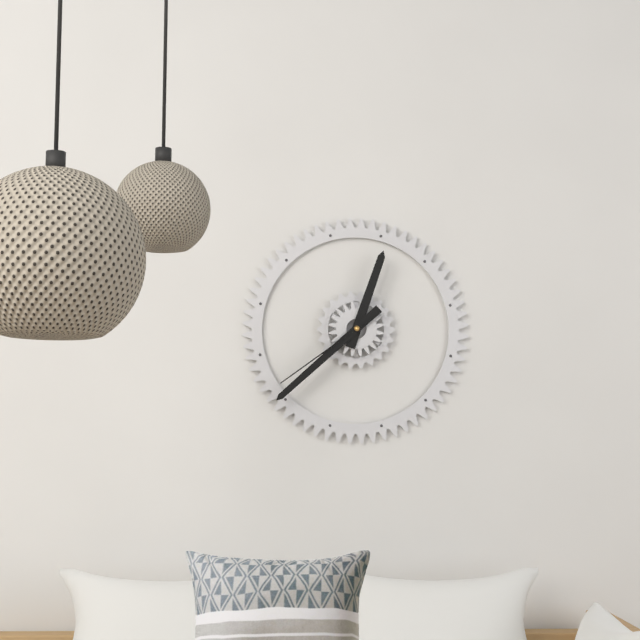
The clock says {"hour": 12, "minute": 38, "second": 39}
